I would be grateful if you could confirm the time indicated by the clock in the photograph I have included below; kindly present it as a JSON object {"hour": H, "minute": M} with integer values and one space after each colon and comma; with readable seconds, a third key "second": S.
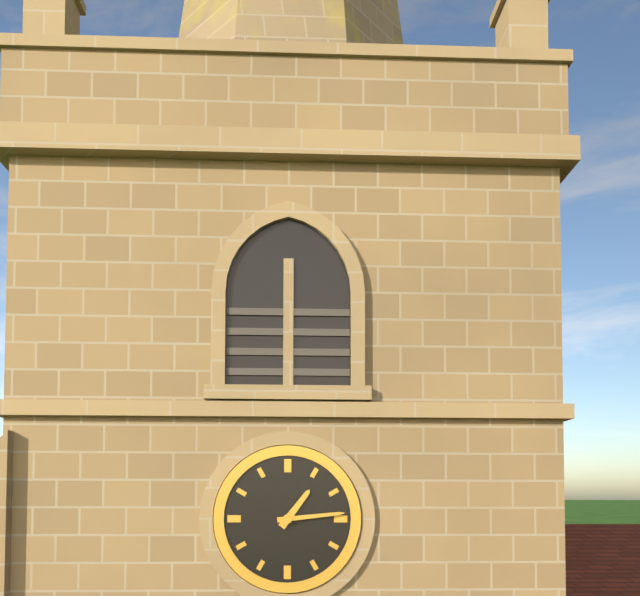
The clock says {"hour": 1, "minute": 14}
